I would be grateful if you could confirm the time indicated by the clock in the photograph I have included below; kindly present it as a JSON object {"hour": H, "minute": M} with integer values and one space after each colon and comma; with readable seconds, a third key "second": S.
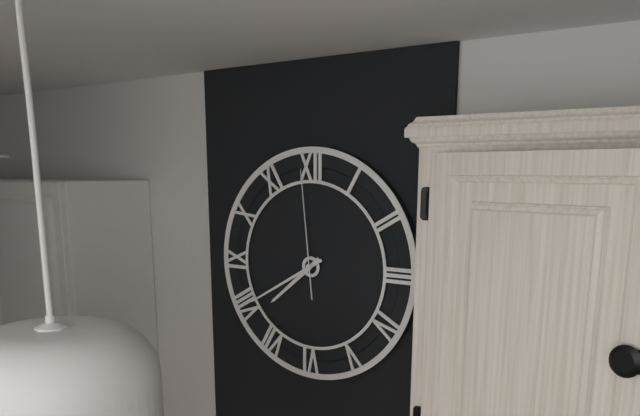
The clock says {"hour": 7, "minute": 40, "second": 59}
